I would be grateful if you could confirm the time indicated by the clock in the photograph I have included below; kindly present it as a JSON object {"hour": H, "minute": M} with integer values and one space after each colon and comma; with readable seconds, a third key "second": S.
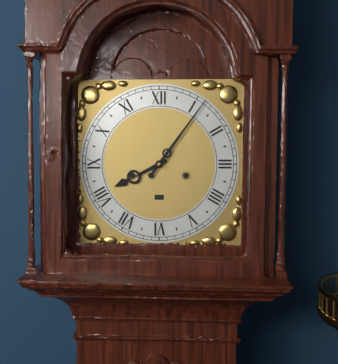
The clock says {"hour": 8, "minute": 6}
